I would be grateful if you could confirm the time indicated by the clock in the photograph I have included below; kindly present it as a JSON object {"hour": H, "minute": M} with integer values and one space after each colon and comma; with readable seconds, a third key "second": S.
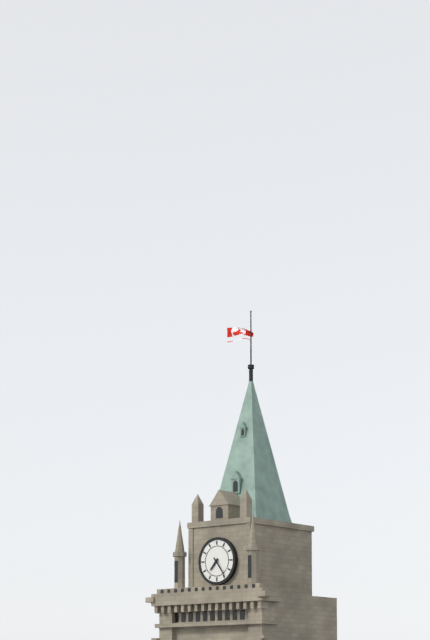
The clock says {"hour": 7, "minute": 24}
